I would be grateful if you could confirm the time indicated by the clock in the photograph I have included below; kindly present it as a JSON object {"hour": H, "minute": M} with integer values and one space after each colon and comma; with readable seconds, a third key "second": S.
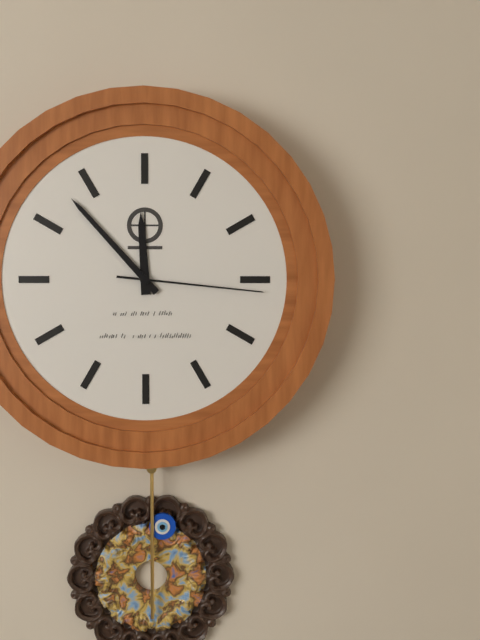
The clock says {"hour": 11, "minute": 53, "second": 16}
